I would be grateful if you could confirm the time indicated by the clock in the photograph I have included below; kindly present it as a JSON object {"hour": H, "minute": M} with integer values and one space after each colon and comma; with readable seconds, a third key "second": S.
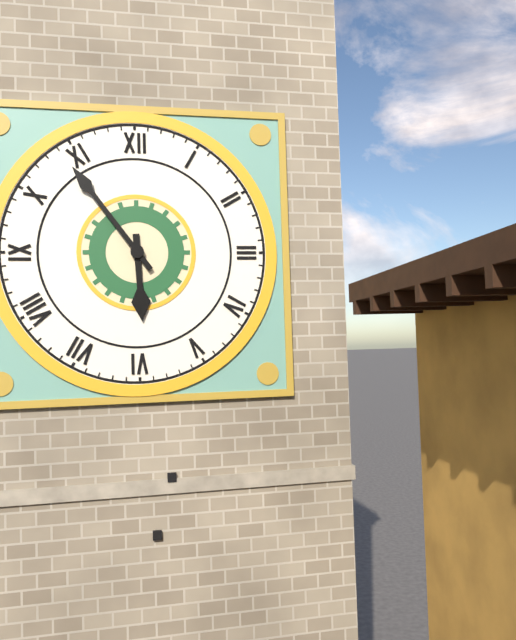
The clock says {"hour": 5, "minute": 54}
